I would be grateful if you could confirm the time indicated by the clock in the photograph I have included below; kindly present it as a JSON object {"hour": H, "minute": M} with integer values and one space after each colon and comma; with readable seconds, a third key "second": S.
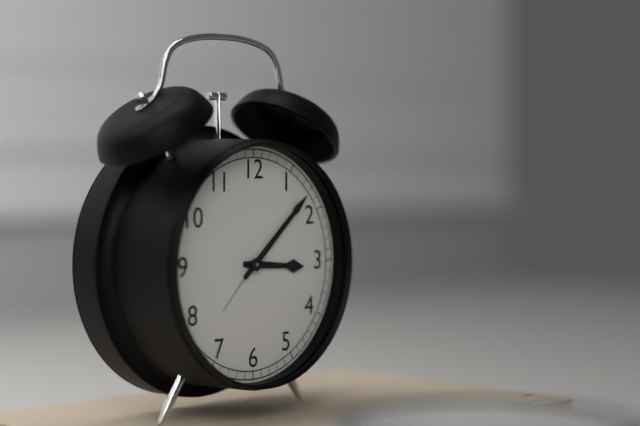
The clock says {"hour": 3, "minute": 8}
